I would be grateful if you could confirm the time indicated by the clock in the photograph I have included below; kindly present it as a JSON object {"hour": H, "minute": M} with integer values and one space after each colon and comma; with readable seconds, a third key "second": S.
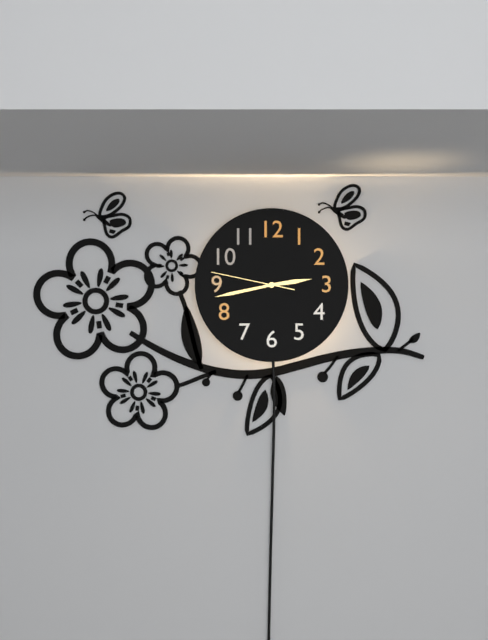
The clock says {"hour": 2, "minute": 43, "second": 47}
